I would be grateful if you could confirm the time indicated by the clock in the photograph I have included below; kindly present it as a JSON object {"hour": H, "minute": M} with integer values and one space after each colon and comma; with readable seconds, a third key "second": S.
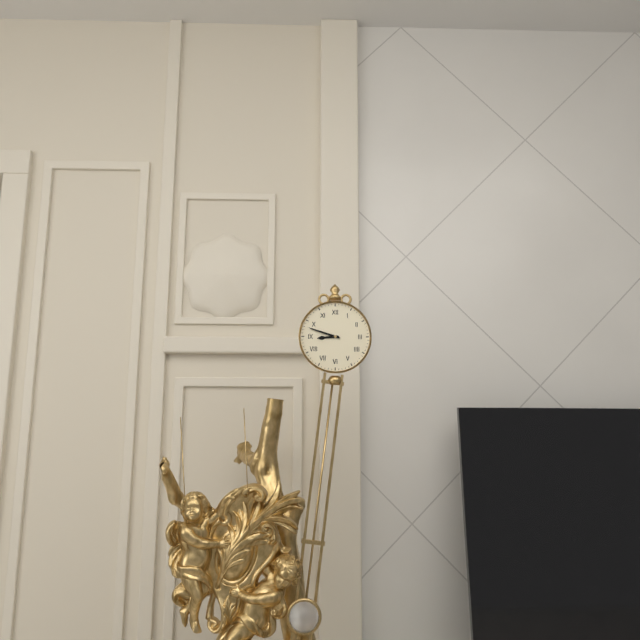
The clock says {"hour": 8, "minute": 48}
